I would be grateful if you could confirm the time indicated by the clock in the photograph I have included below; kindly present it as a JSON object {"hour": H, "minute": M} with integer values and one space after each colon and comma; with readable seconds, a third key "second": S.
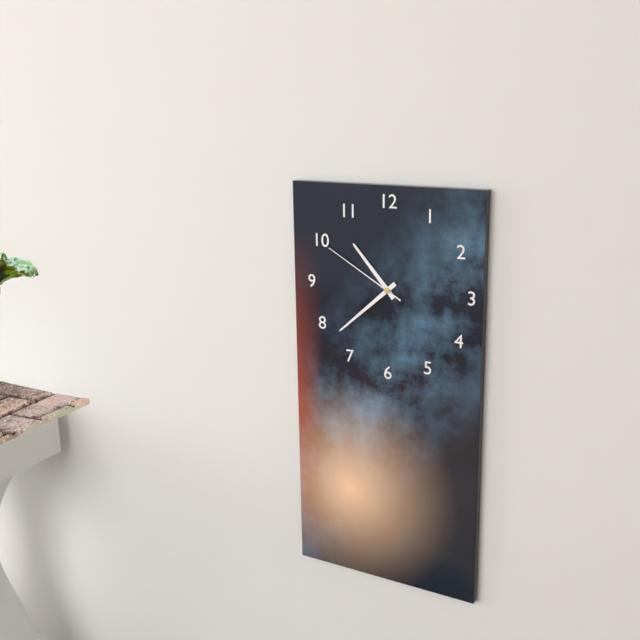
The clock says {"hour": 10, "minute": 38, "second": 50}
